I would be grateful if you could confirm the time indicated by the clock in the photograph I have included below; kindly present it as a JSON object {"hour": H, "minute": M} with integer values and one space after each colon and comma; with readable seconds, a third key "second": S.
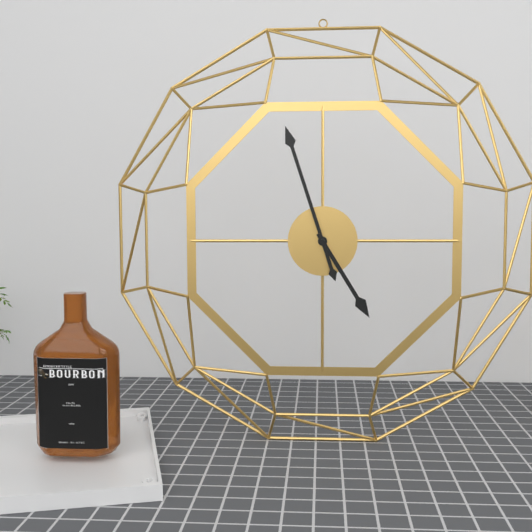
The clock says {"hour": 4, "minute": 57}
